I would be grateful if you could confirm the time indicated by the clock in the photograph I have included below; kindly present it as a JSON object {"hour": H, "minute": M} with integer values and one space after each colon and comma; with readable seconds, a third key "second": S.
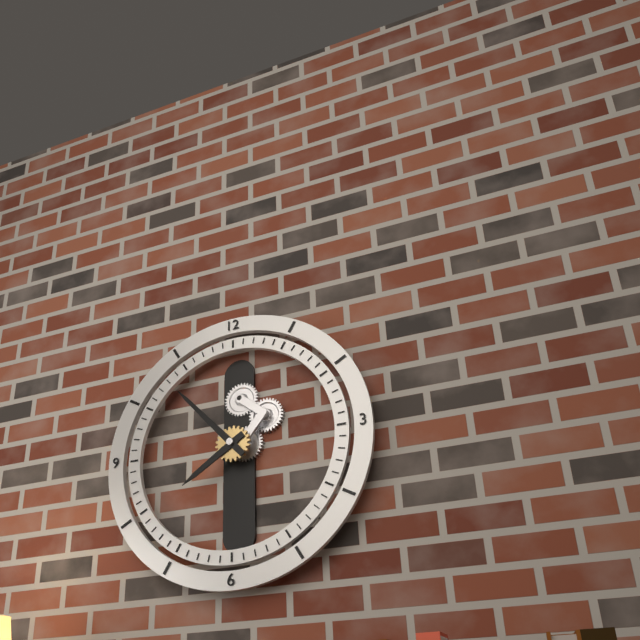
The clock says {"hour": 7, "minute": 53}
